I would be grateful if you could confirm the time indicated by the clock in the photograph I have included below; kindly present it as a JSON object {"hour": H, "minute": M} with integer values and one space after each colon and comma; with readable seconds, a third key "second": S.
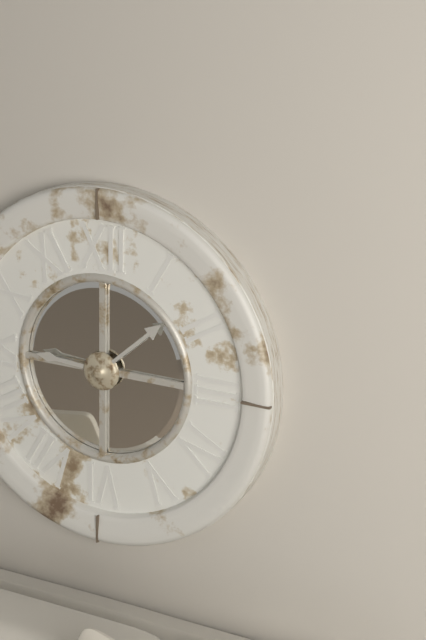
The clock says {"hour": 9, "minute": 8}
